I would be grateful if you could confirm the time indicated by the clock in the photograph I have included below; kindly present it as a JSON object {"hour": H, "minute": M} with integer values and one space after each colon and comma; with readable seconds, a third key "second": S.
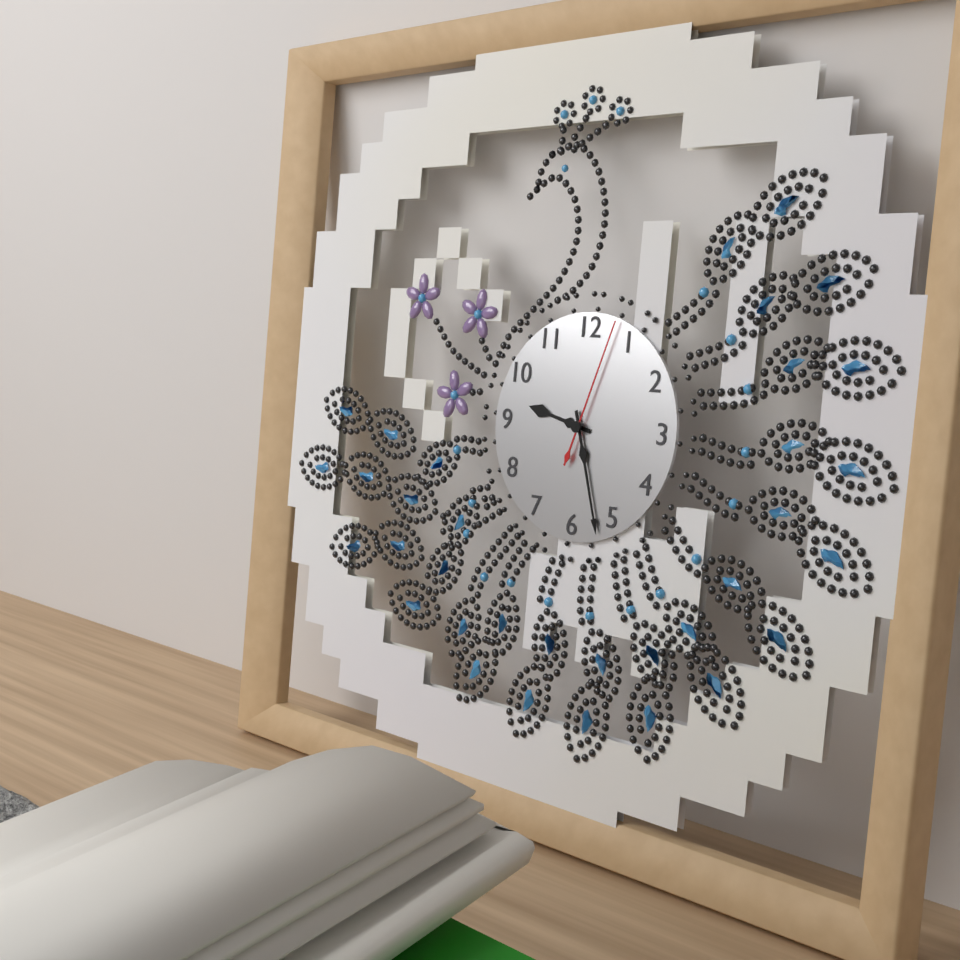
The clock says {"hour": 9, "minute": 27, "second": 3}
